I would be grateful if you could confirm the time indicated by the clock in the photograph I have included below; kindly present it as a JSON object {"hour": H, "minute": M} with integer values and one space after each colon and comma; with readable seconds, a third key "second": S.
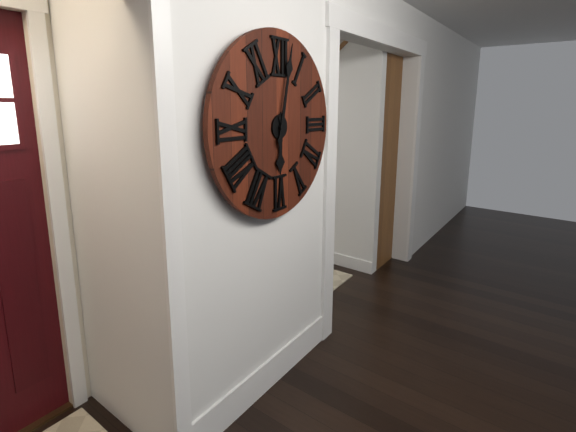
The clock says {"hour": 6, "minute": 2}
